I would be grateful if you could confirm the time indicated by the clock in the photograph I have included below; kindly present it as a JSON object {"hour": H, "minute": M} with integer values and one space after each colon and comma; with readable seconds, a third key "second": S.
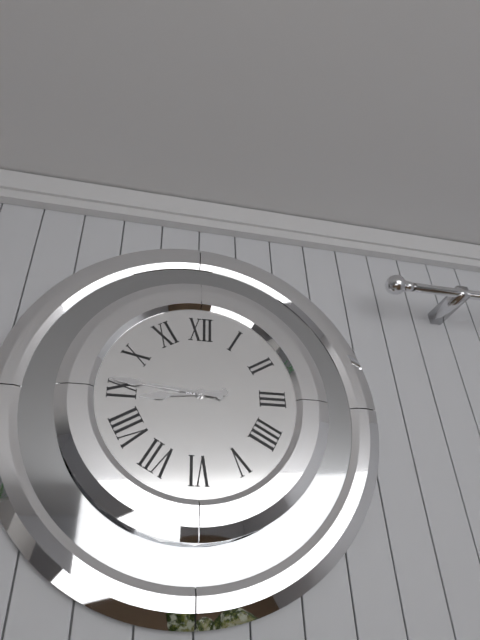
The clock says {"hour": 8, "minute": 46}
